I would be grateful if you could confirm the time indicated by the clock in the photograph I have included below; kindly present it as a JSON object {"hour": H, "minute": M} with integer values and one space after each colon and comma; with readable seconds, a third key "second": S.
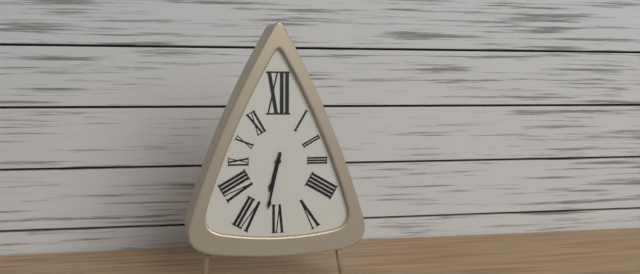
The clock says {"hour": 6, "minute": 32}
